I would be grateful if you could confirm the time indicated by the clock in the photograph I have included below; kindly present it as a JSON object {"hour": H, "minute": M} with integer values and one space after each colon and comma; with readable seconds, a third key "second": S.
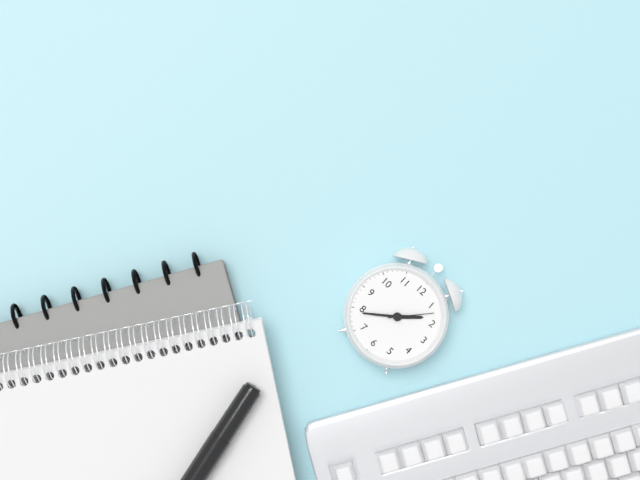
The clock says {"hour": 1, "minute": 39}
